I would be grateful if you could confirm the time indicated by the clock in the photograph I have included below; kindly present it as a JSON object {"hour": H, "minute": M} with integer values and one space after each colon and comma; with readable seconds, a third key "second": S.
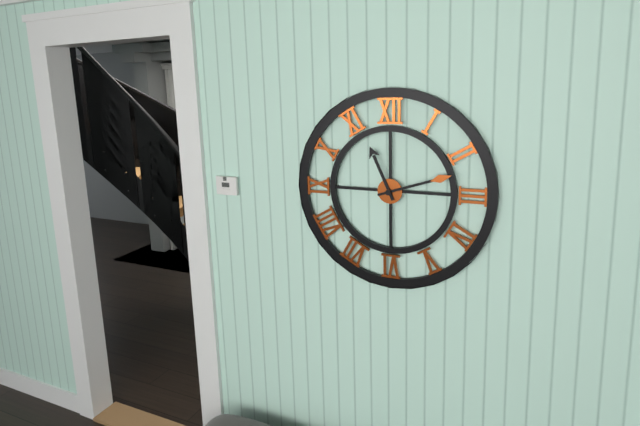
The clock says {"hour": 11, "minute": 12}
